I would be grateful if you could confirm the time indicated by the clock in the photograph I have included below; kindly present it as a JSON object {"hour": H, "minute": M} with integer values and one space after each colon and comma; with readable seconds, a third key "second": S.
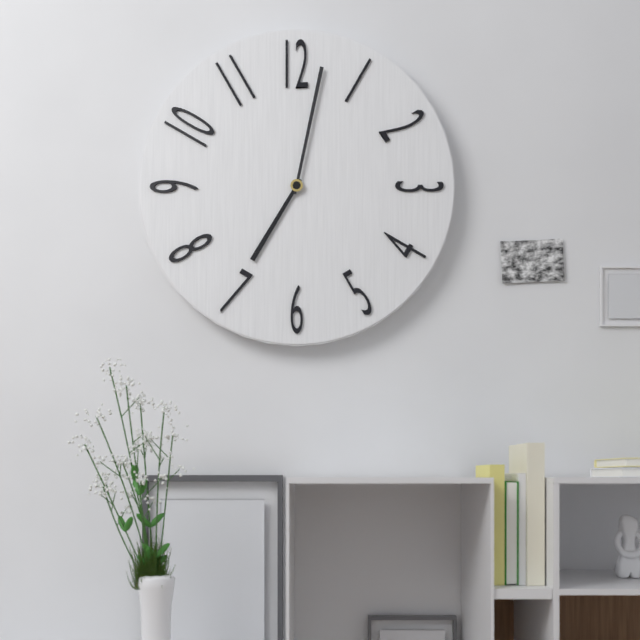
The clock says {"hour": 7, "minute": 2}
